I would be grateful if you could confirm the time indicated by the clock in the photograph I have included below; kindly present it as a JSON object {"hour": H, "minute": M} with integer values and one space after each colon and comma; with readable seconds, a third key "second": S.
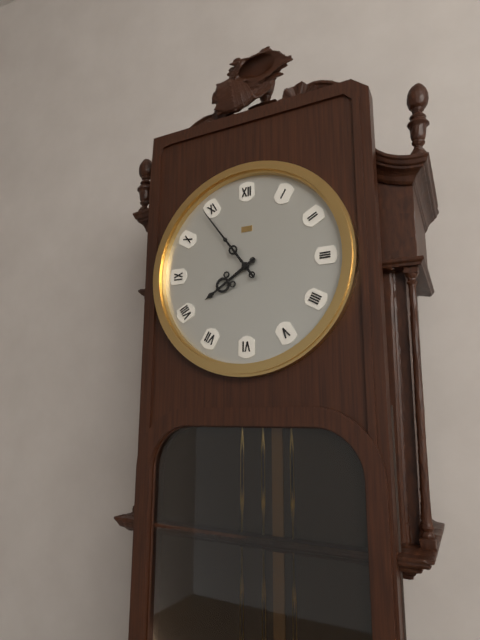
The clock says {"hour": 7, "minute": 54}
